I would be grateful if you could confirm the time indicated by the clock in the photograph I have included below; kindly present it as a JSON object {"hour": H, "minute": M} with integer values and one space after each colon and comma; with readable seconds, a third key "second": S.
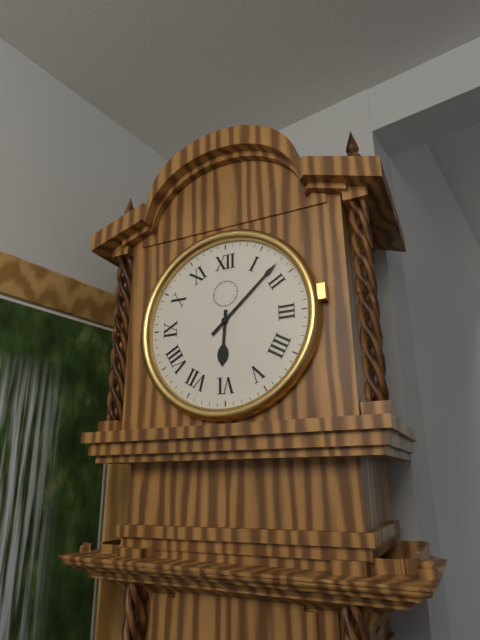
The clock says {"hour": 6, "minute": 8}
